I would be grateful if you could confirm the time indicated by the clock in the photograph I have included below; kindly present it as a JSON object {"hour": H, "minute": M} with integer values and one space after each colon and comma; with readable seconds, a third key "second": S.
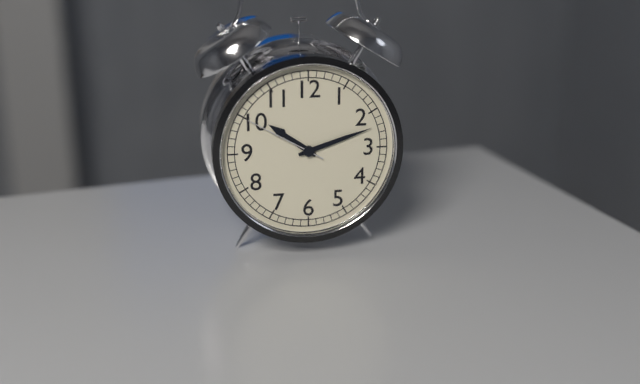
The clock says {"hour": 10, "minute": 12, "second": 50}
